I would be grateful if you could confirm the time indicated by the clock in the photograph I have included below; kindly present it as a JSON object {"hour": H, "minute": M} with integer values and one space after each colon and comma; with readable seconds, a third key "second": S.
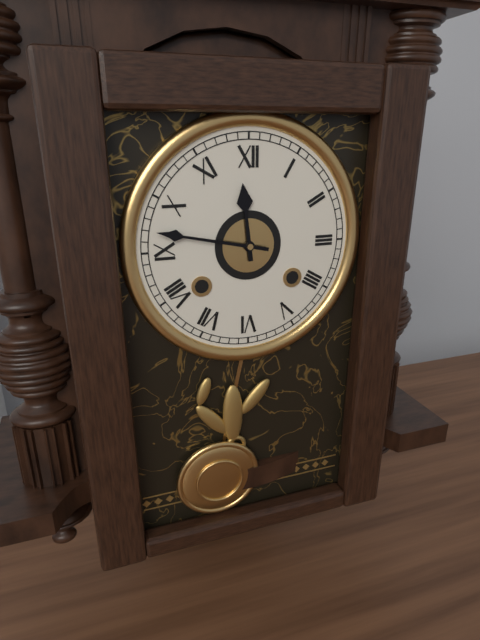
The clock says {"hour": 11, "minute": 47}
